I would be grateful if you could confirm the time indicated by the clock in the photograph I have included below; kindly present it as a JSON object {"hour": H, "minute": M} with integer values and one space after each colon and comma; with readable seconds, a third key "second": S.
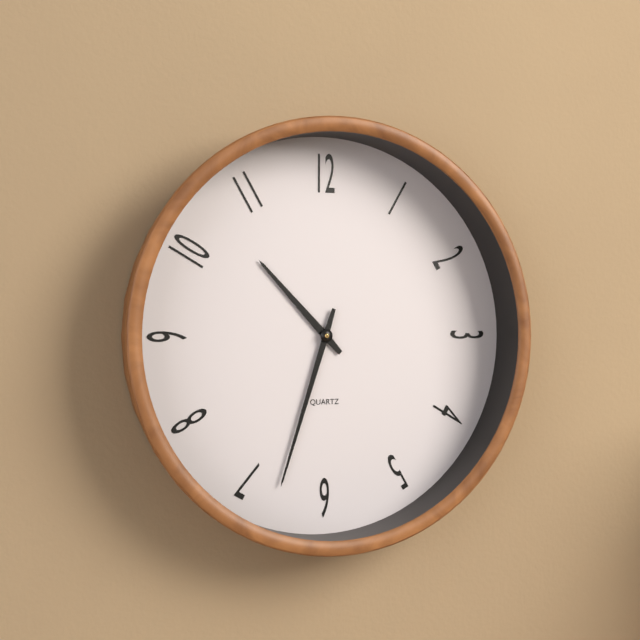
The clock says {"hour": 10, "minute": 33}
